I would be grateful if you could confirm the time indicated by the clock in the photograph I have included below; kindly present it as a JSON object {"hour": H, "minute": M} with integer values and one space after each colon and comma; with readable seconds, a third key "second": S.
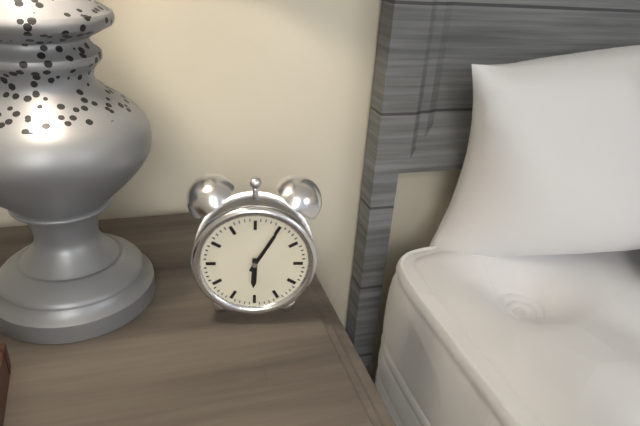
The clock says {"hour": 6, "minute": 5}
